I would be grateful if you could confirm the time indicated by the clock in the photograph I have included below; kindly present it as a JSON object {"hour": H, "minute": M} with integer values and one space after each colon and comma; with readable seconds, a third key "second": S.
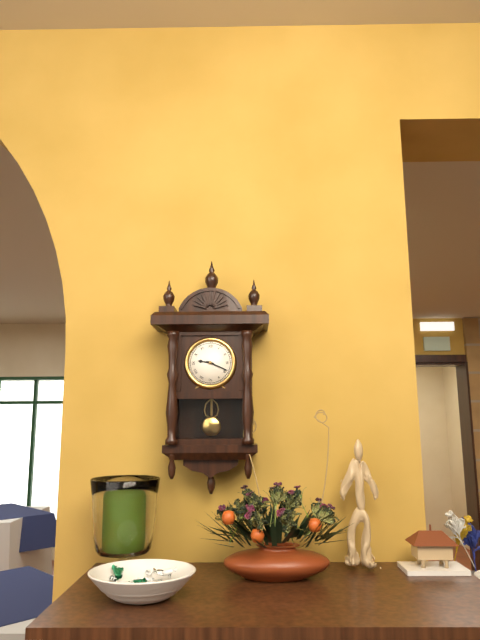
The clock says {"hour": 9, "minute": 19}
